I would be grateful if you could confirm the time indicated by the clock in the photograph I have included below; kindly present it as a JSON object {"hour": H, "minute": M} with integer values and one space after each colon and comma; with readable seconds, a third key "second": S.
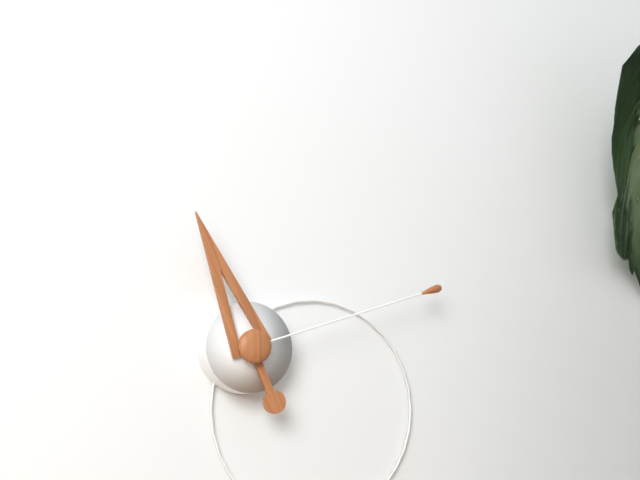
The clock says {"hour": 11, "minute": 12}
